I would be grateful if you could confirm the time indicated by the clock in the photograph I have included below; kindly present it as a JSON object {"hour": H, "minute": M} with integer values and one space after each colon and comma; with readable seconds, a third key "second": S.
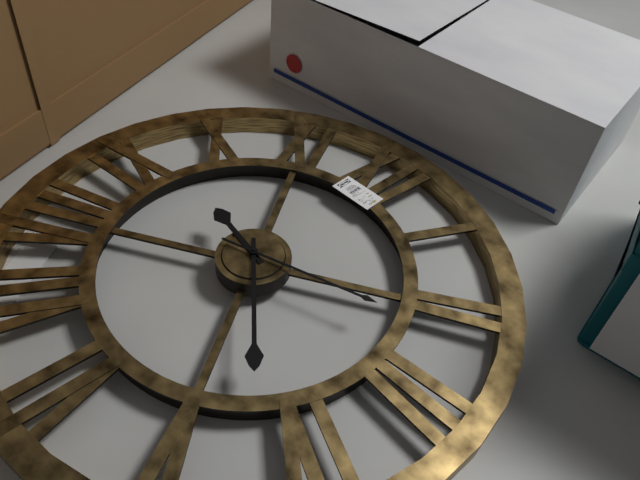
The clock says {"hour": 9, "minute": 22, "second": 12}
